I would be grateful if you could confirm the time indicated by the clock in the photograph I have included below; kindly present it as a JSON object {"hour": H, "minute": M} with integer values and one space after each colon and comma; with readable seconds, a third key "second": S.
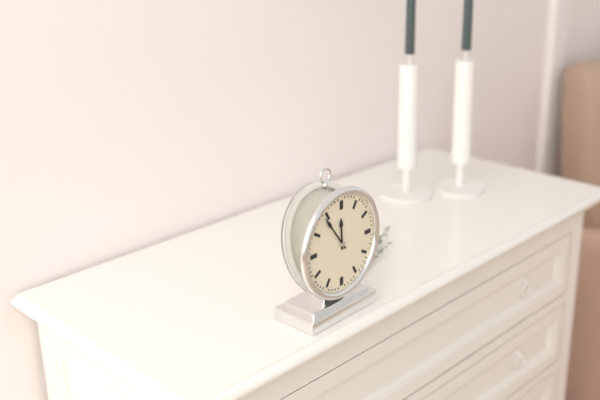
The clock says {"hour": 11, "minute": 54}
